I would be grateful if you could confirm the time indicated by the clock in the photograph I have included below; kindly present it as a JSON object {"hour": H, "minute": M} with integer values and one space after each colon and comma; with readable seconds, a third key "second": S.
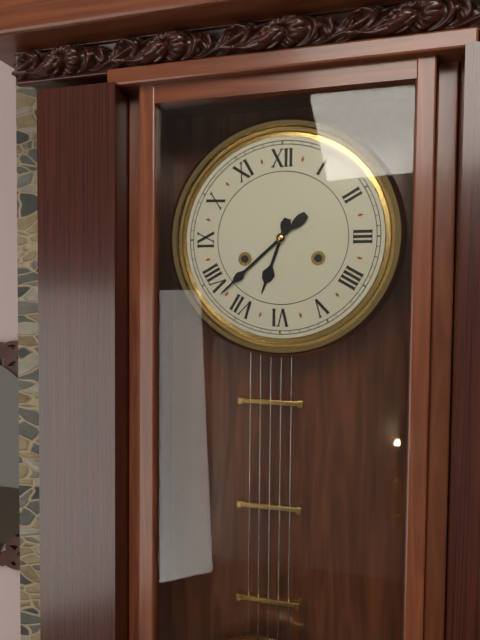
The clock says {"hour": 6, "minute": 38}
